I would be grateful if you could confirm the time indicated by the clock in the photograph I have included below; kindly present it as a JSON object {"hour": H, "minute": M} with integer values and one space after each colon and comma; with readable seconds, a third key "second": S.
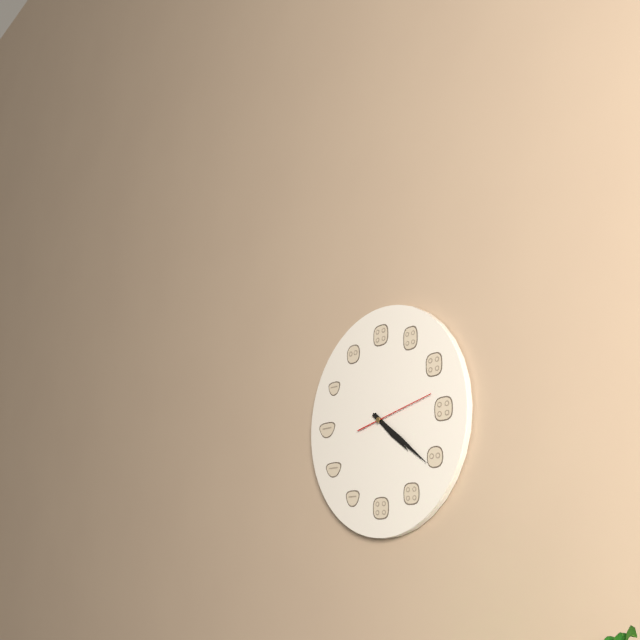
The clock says {"hour": 4, "minute": 21, "second": 13}
